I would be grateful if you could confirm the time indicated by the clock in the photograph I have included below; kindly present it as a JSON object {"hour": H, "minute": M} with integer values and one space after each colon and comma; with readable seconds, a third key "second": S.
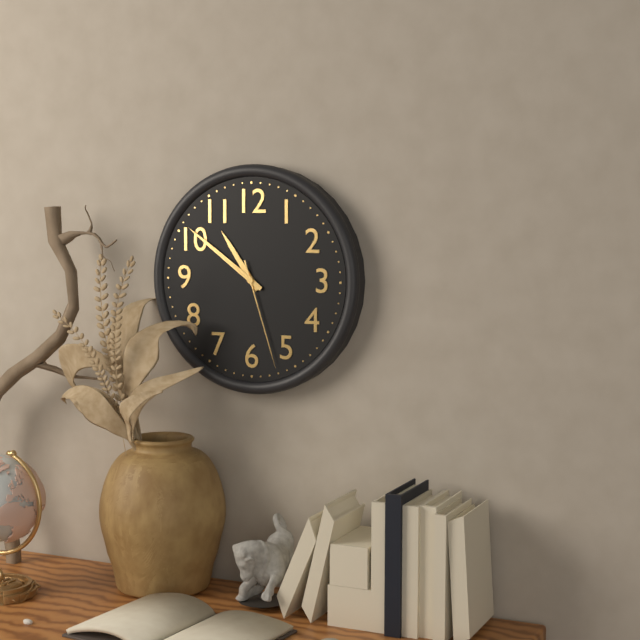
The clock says {"hour": 10, "minute": 51, "second": 27}
